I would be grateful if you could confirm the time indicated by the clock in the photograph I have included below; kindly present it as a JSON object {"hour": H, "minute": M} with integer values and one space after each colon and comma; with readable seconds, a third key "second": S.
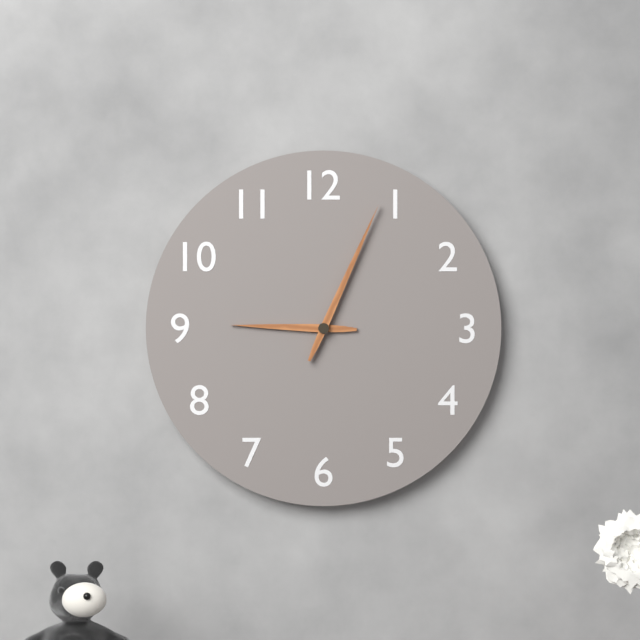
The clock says {"hour": 9, "minute": 4}
